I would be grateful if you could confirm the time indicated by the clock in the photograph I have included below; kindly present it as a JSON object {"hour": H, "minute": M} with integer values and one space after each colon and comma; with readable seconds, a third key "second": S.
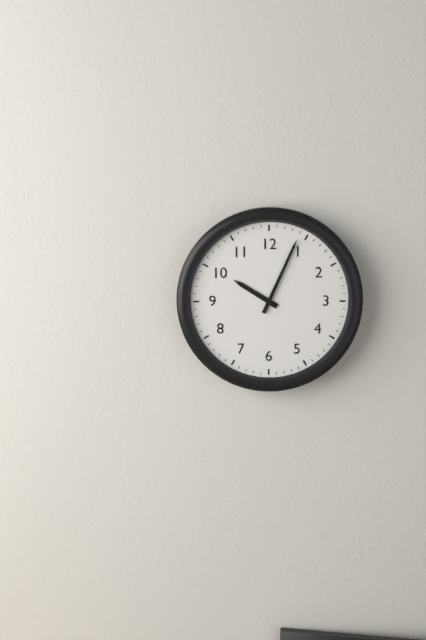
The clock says {"hour": 10, "minute": 4}
